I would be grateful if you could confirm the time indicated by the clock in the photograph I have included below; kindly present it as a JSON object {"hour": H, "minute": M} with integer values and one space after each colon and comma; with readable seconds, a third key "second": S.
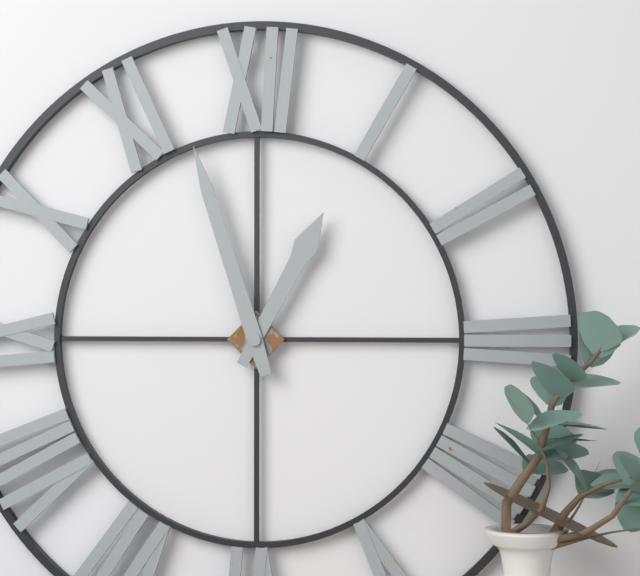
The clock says {"hour": 12, "minute": 57}
